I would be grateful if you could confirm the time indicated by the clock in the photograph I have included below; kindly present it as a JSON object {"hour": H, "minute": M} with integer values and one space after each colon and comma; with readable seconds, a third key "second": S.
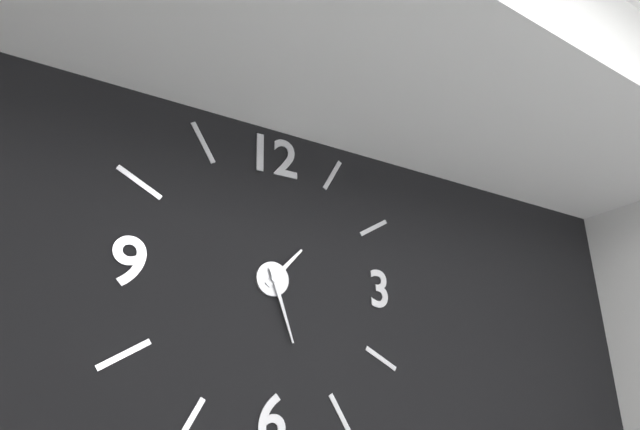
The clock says {"hour": 1, "minute": 27}
